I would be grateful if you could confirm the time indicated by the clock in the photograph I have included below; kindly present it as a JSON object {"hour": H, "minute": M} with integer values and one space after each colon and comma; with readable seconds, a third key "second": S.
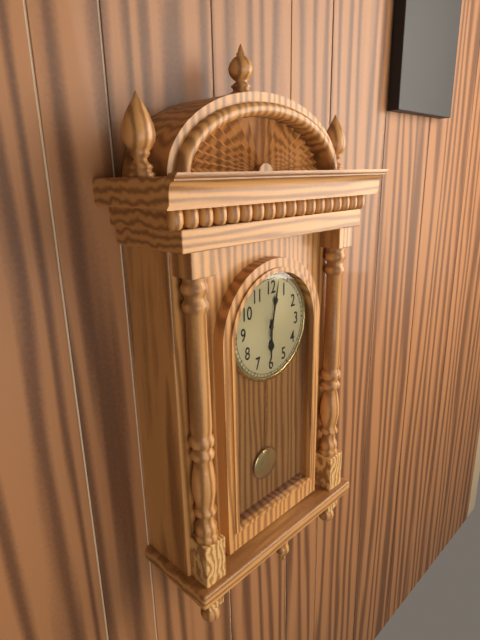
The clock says {"hour": 6, "minute": 2}
